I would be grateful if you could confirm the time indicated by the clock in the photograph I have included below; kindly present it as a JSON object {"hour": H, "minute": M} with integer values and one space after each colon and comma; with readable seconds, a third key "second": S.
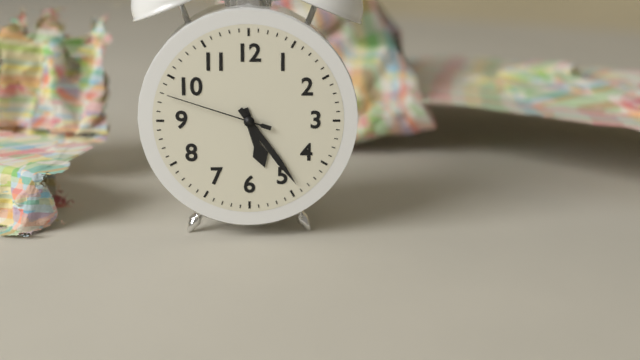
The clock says {"hour": 5, "minute": 24, "second": 48}
